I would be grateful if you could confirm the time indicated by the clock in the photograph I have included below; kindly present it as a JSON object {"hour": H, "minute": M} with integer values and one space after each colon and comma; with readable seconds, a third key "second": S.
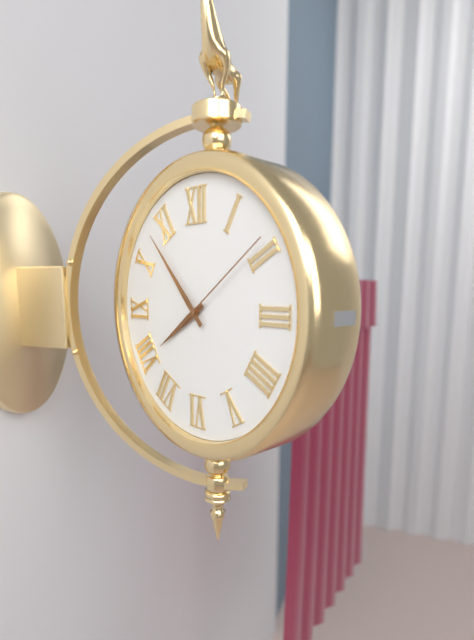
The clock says {"hour": 7, "minute": 53, "second": 9}
